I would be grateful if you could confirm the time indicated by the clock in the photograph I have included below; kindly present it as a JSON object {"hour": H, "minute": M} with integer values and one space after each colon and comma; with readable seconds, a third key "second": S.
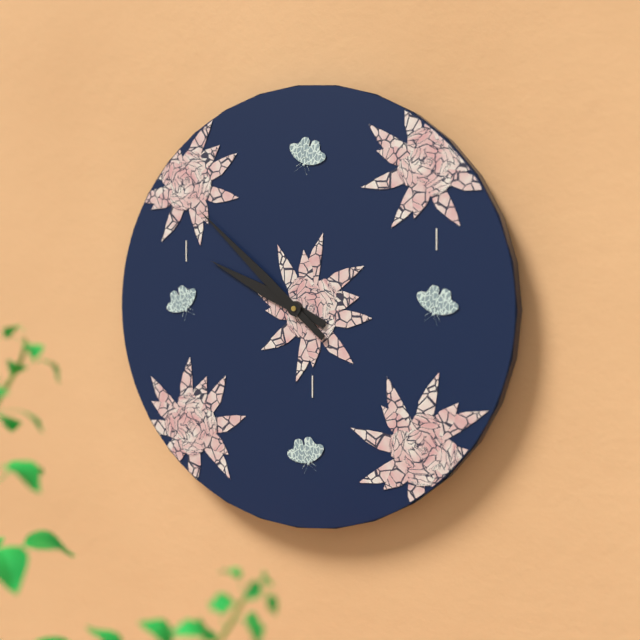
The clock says {"hour": 9, "minute": 52}
